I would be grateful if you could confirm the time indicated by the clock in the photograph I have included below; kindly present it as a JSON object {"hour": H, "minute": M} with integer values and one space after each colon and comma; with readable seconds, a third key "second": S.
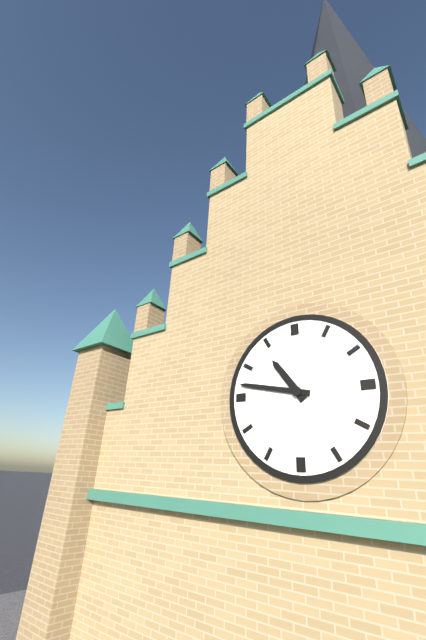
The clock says {"hour": 10, "minute": 47}
